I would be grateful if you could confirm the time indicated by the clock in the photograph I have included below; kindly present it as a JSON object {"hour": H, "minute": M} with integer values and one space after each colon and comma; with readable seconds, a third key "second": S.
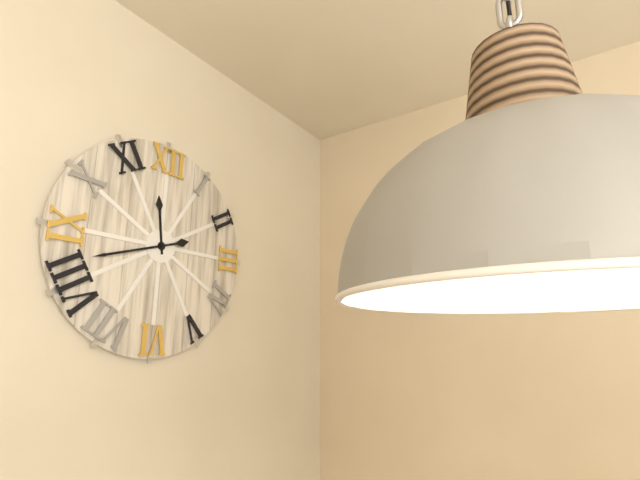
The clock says {"hour": 11, "minute": 42}
